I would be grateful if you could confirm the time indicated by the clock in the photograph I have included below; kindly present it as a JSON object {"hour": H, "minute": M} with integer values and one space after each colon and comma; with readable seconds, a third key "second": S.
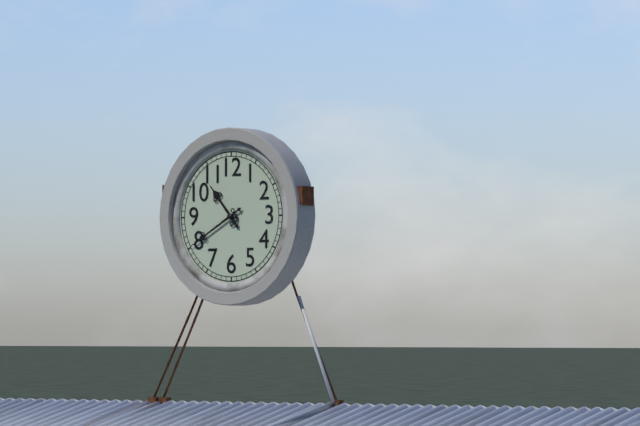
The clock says {"hour": 10, "minute": 40}
